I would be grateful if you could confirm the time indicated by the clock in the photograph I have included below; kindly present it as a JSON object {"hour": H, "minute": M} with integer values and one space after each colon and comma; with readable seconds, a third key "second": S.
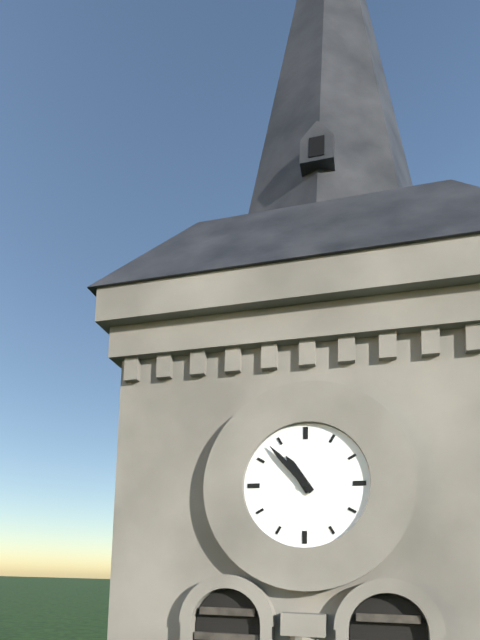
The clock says {"hour": 10, "minute": 53}
